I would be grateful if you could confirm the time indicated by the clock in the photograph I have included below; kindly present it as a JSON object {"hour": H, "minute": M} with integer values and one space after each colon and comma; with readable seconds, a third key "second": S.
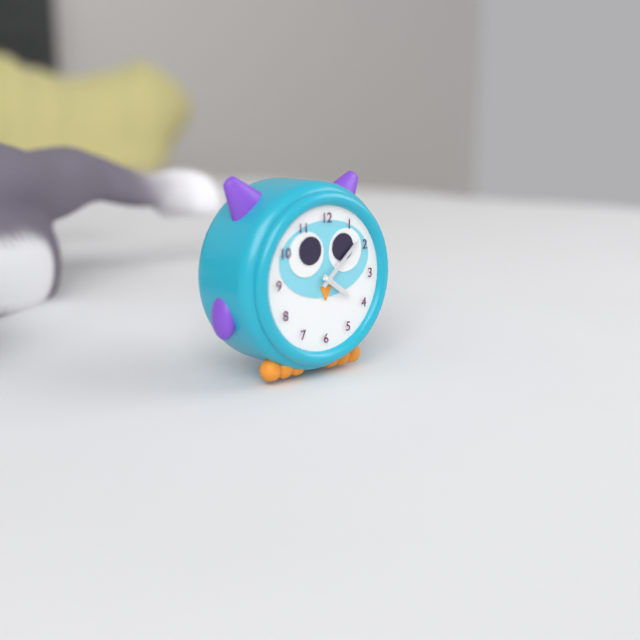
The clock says {"hour": 4, "minute": 8}
